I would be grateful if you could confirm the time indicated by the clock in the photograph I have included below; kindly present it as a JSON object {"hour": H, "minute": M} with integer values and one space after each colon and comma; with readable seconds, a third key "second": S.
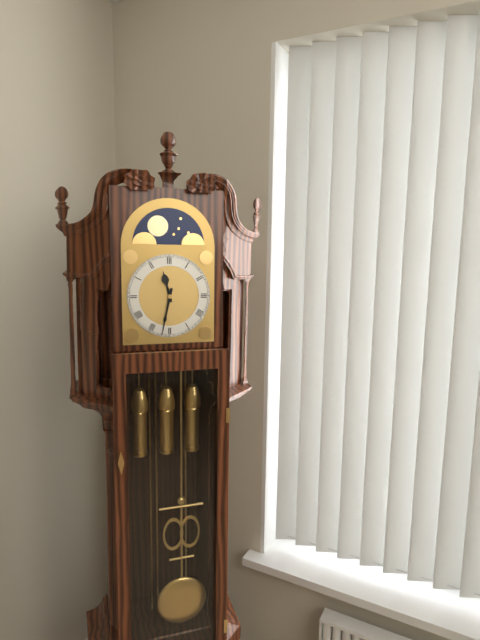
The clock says {"hour": 11, "minute": 32}
